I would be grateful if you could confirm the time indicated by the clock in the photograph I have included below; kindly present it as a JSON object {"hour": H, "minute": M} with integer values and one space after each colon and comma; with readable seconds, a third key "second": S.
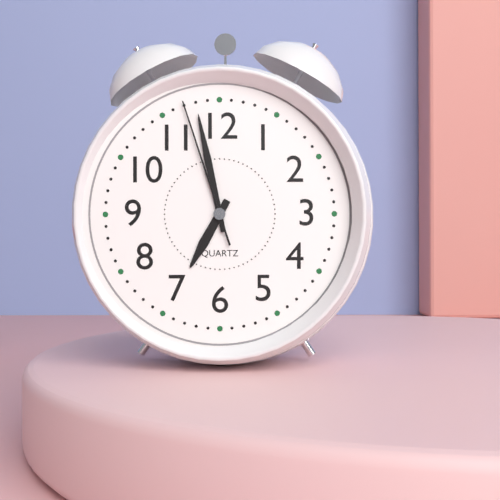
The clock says {"hour": 6, "minute": 58, "second": 57}
